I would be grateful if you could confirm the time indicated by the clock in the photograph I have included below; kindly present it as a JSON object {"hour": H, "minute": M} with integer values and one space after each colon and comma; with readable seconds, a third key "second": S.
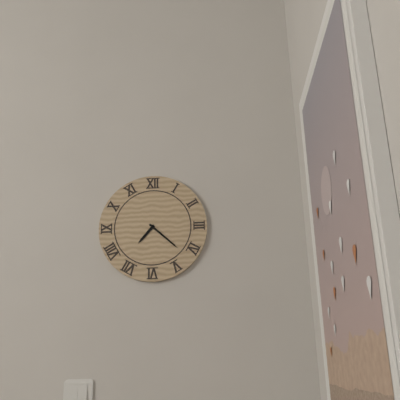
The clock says {"hour": 7, "minute": 22}
